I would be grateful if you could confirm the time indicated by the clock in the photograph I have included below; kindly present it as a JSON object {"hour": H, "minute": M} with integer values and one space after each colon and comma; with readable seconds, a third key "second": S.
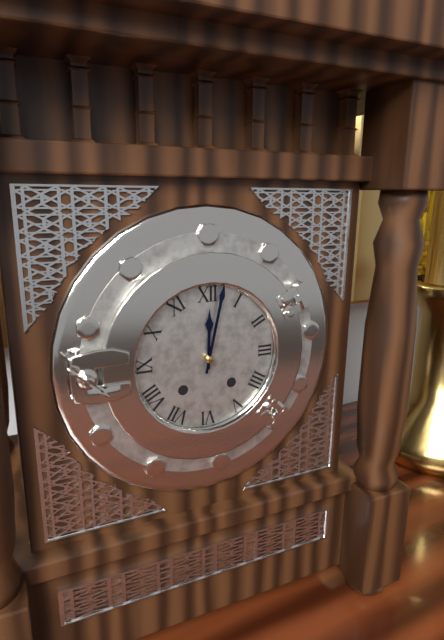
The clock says {"hour": 12, "minute": 2}
